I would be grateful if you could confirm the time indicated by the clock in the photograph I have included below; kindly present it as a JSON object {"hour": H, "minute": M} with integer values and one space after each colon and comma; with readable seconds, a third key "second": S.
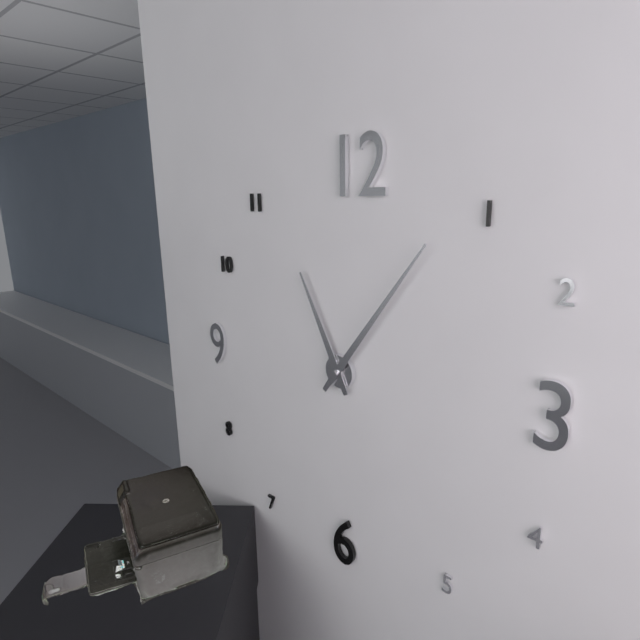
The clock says {"hour": 11, "minute": 6}
